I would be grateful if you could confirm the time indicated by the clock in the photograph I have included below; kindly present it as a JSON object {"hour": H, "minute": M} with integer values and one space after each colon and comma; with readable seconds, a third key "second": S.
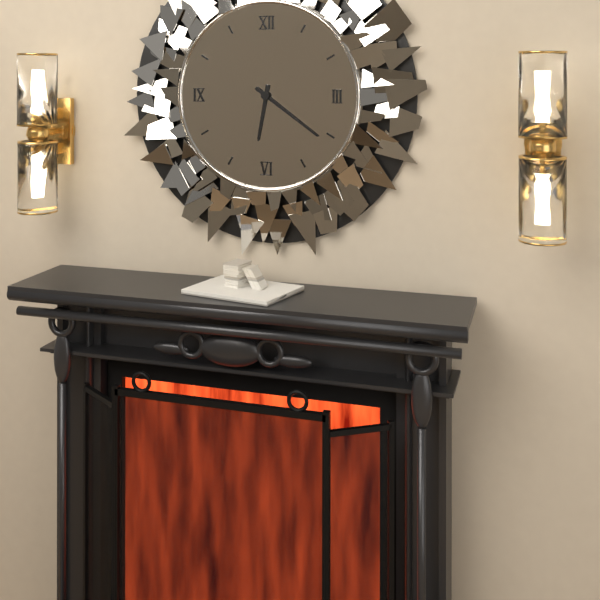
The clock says {"hour": 6, "minute": 21}
